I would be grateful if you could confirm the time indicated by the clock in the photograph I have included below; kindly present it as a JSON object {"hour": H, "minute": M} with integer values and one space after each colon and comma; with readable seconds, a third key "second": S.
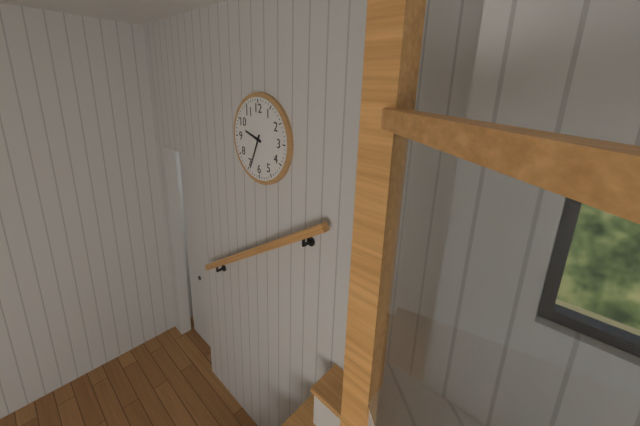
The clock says {"hour": 9, "minute": 34}
